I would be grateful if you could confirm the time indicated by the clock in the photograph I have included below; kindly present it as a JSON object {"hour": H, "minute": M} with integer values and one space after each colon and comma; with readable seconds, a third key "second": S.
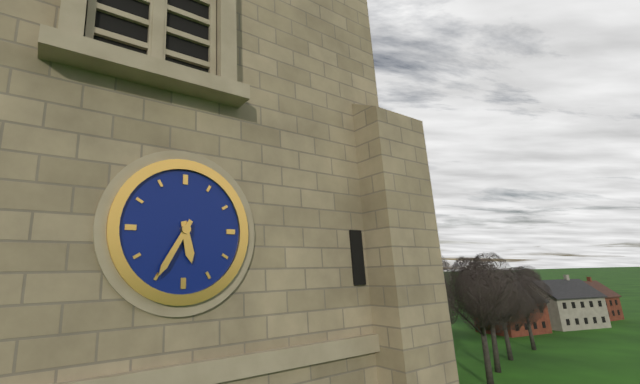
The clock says {"hour": 5, "minute": 35}
